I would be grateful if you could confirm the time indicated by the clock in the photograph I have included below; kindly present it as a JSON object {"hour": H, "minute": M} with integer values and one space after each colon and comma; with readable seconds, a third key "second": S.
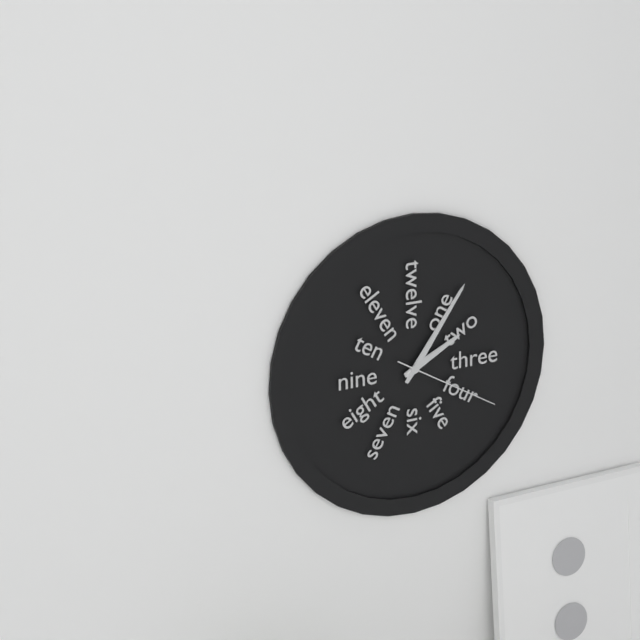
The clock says {"hour": 2, "minute": 6, "second": 20}
